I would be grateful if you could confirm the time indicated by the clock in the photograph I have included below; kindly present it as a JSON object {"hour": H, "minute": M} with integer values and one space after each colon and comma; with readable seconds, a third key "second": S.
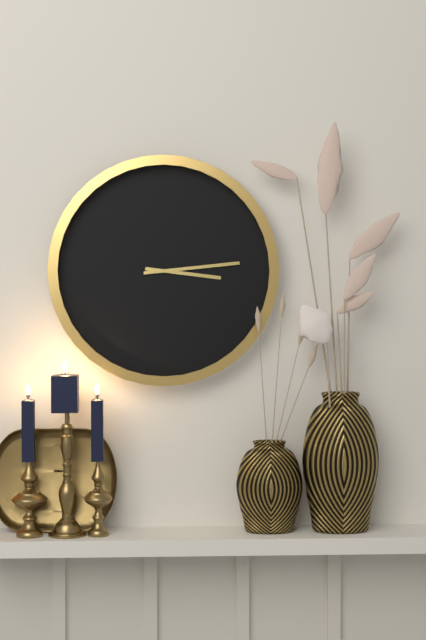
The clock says {"hour": 3, "minute": 14}
